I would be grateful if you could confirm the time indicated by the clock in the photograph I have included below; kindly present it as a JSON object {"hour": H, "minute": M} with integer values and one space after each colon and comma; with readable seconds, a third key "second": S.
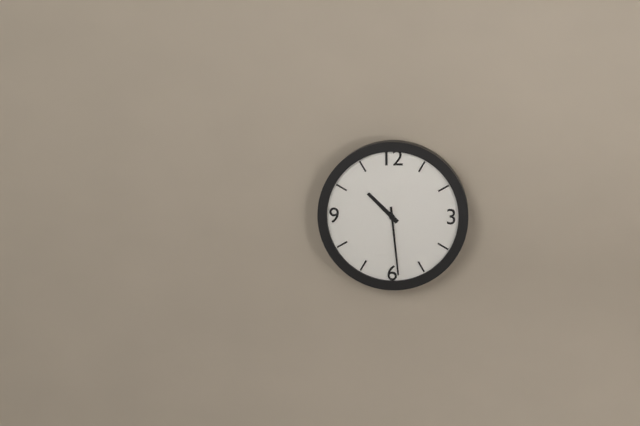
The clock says {"hour": 10, "minute": 29}
